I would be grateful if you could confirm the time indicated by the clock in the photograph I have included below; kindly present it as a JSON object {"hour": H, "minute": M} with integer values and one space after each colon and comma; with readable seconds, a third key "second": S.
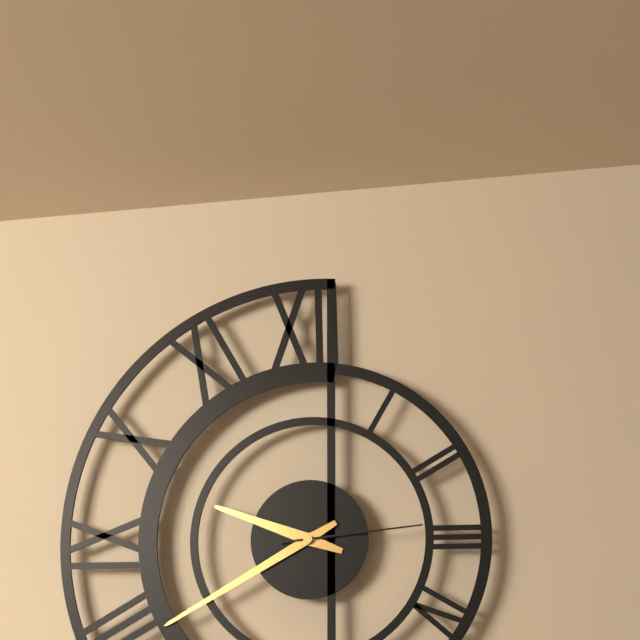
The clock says {"hour": 9, "minute": 40, "second": 14}
